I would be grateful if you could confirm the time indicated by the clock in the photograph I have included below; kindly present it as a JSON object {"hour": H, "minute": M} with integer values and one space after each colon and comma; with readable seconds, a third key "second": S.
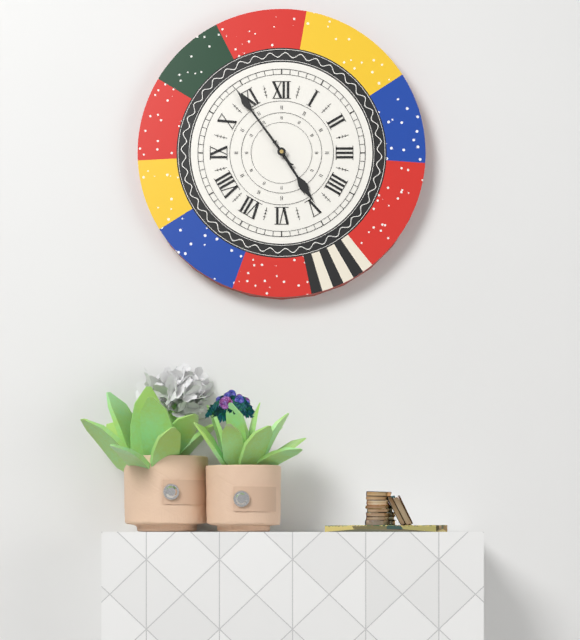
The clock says {"hour": 4, "minute": 54}
